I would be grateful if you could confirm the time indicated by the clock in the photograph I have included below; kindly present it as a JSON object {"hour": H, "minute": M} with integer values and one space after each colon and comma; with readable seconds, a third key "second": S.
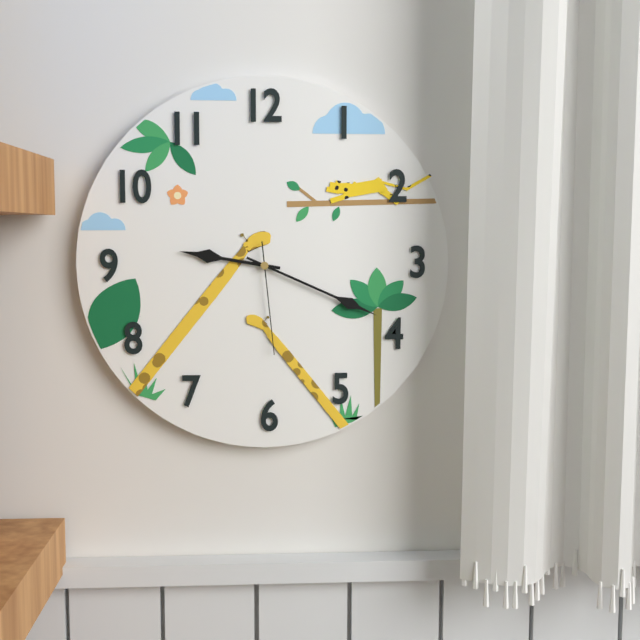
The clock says {"hour": 9, "minute": 19, "second": 29}
